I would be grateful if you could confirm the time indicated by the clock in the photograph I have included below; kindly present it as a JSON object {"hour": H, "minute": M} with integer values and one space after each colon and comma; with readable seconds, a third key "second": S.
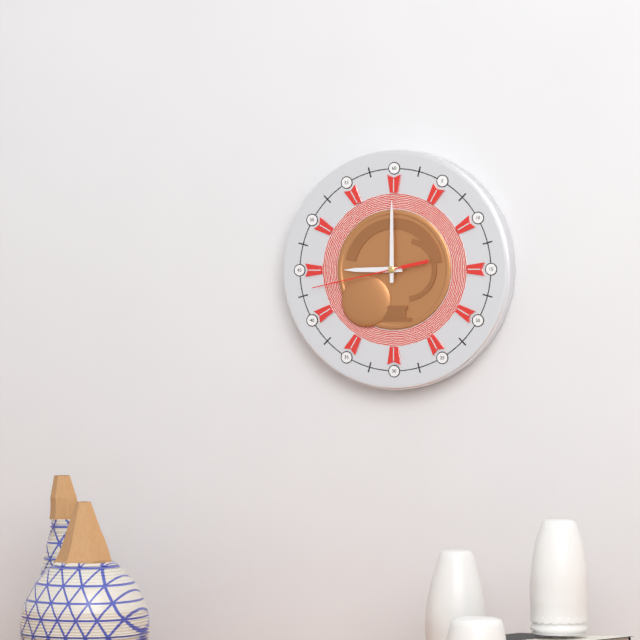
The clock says {"hour": 9, "minute": 0, "second": 43}
